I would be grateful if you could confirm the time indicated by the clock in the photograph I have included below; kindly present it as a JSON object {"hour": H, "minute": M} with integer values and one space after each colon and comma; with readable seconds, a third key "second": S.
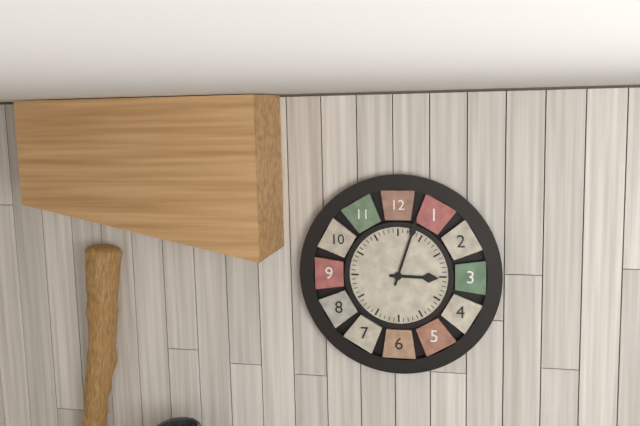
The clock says {"hour": 3, "minute": 3}
